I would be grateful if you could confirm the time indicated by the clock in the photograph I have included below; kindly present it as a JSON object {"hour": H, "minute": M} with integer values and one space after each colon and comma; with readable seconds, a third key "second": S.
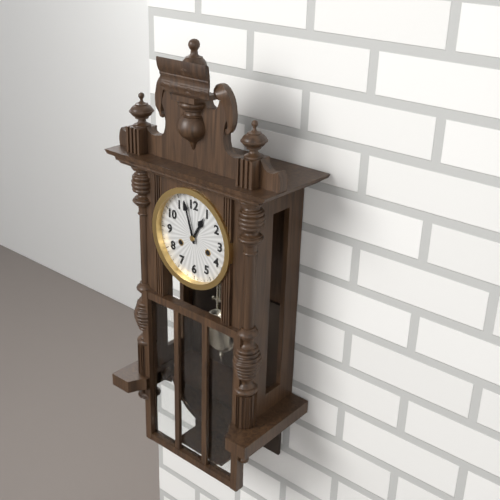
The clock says {"hour": 12, "minute": 57}
